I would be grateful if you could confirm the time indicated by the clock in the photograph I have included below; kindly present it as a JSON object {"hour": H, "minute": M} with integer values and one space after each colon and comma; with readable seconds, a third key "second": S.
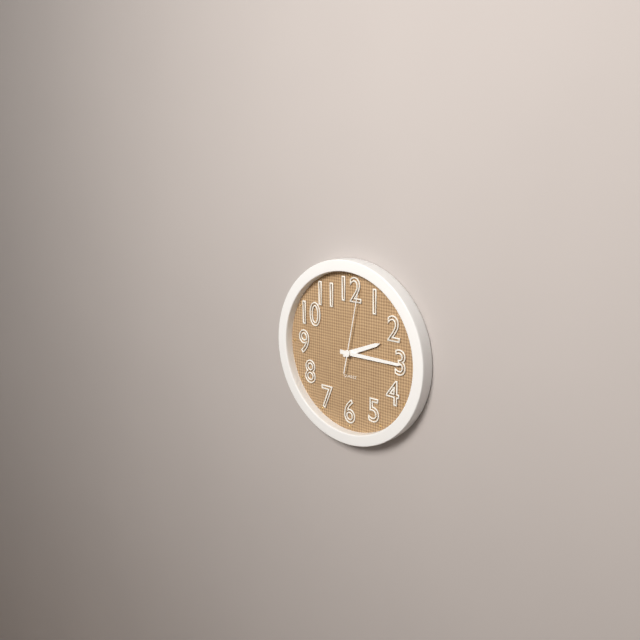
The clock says {"hour": 2, "minute": 15, "second": 2}
